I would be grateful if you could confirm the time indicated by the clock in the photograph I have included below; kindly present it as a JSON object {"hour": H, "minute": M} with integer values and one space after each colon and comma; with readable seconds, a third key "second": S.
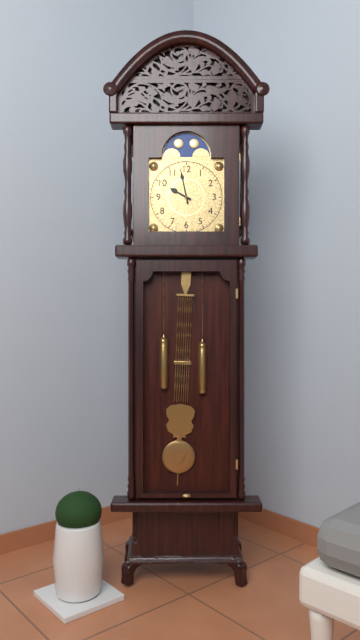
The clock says {"hour": 9, "minute": 58}
